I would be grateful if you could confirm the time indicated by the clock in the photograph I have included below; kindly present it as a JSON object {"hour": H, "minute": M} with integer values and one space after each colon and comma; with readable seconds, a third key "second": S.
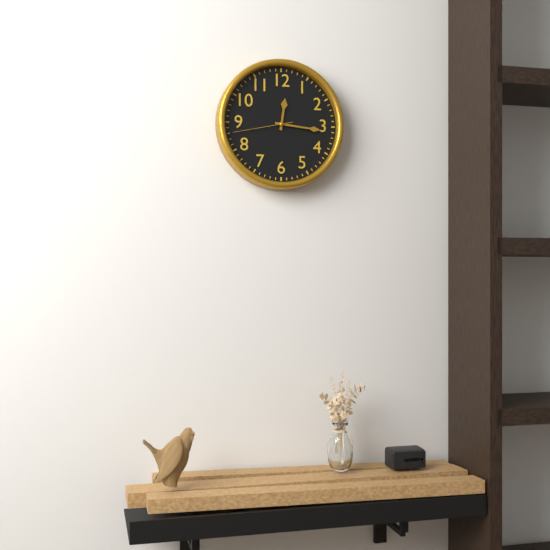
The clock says {"hour": 12, "minute": 16, "second": 43}
